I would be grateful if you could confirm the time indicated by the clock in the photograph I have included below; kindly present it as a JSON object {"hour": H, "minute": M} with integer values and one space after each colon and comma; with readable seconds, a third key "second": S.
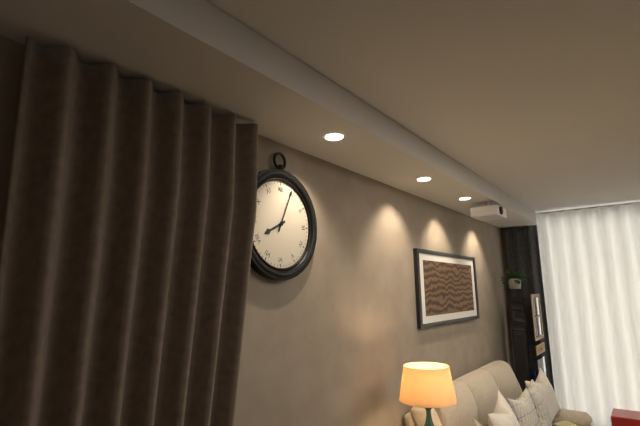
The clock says {"hour": 8, "minute": 4}
